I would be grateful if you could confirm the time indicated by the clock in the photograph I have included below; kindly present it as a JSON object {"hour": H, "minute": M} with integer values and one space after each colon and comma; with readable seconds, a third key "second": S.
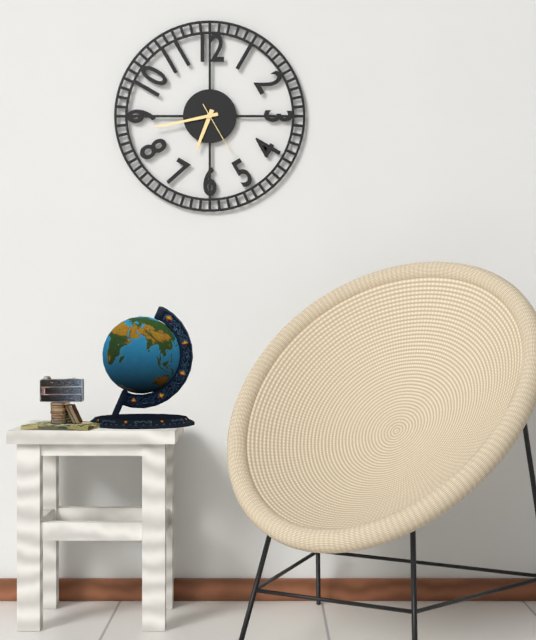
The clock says {"hour": 6, "minute": 43, "second": 25}
